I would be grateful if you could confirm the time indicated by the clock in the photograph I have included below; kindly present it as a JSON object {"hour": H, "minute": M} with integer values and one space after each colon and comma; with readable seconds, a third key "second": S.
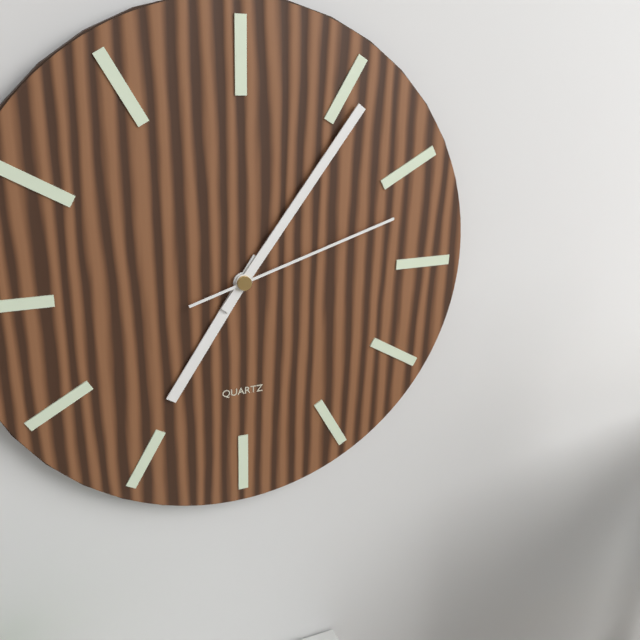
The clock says {"hour": 7, "minute": 6, "second": 12}
